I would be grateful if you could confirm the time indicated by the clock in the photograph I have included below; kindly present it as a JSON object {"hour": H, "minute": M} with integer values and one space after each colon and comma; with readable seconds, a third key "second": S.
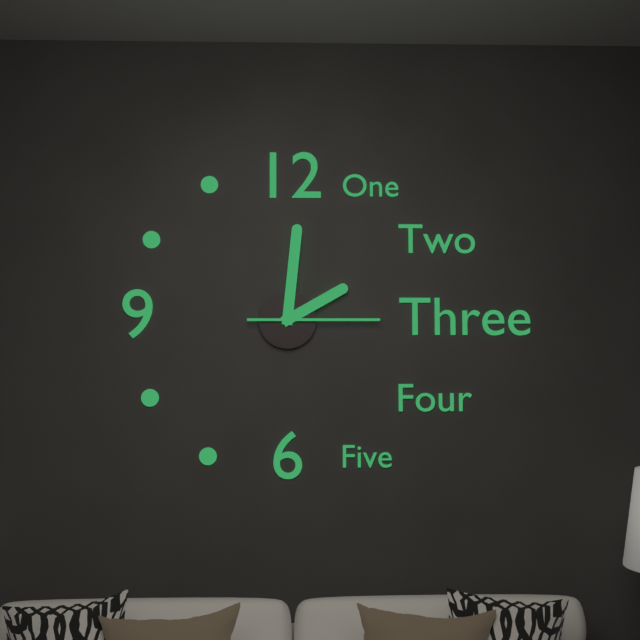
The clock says {"hour": 2, "minute": 1, "second": 15}
